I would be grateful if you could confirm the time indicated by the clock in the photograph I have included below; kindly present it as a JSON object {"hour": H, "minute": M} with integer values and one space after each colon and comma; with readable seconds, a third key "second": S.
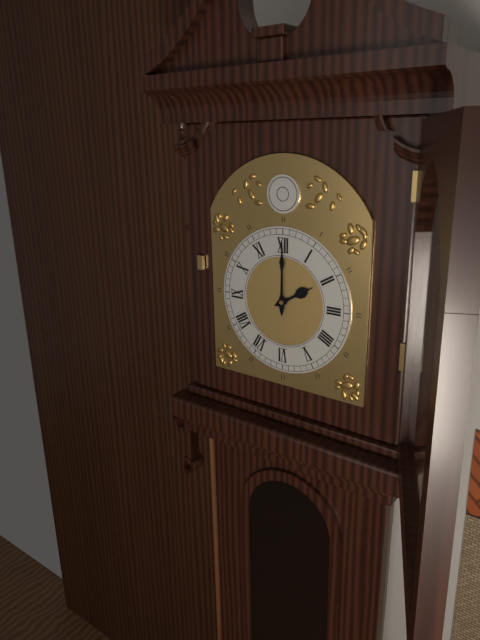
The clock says {"hour": 2, "minute": 0}
